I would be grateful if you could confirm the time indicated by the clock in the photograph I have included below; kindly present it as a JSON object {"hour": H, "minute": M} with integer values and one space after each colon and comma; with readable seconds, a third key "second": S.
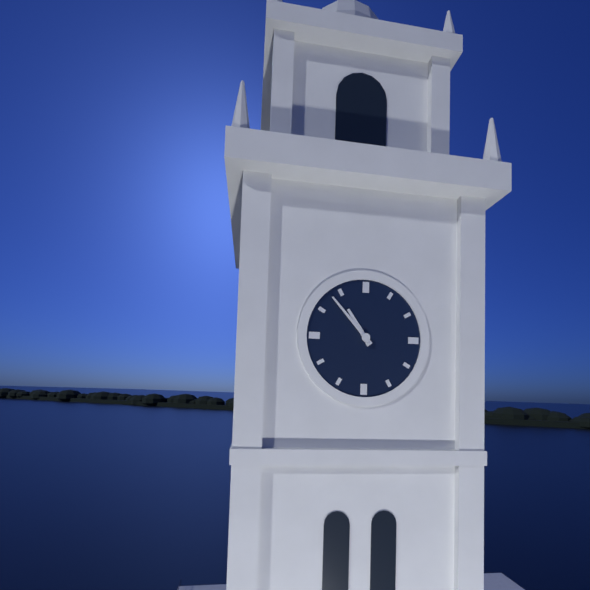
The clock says {"hour": 10, "minute": 53}
